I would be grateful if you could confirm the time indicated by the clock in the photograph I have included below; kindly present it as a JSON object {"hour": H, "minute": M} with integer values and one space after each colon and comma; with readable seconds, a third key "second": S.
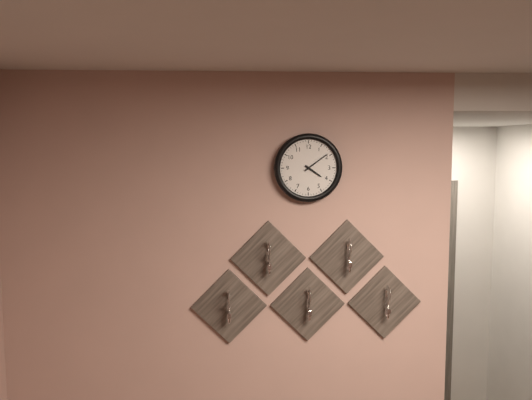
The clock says {"hour": 4, "minute": 9}
